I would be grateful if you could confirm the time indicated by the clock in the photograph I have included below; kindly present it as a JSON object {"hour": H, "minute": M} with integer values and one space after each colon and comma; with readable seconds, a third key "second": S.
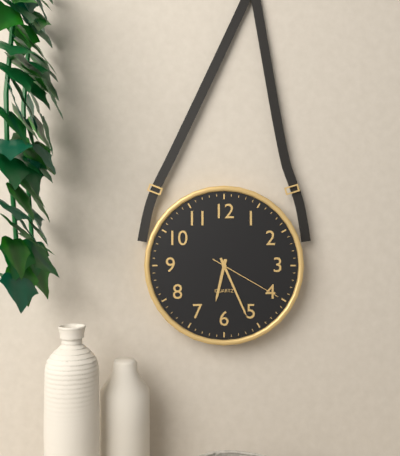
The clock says {"hour": 6, "minute": 26, "second": 20}
